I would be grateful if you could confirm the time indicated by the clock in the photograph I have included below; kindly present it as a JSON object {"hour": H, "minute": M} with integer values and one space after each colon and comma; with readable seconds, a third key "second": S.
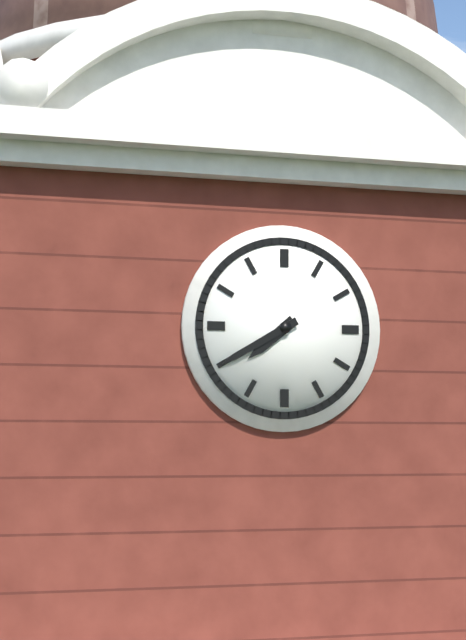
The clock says {"hour": 7, "minute": 40}
